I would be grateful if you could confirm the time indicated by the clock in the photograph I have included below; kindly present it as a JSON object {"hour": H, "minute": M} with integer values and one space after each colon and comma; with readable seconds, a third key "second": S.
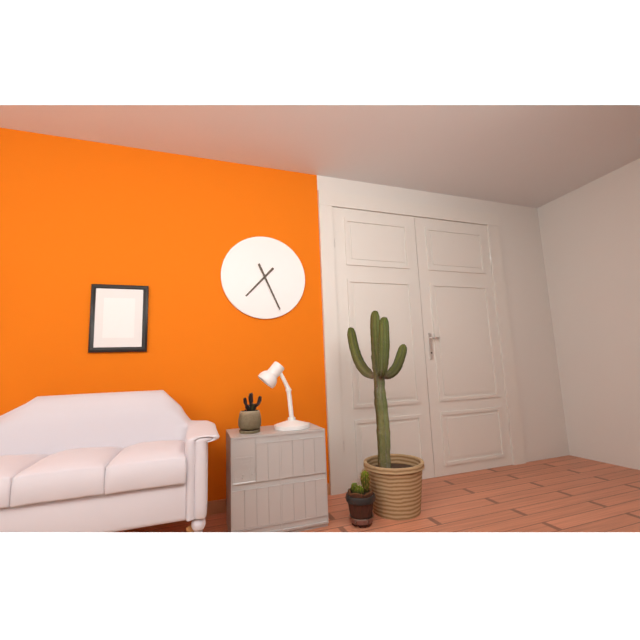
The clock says {"hour": 7, "minute": 26}
